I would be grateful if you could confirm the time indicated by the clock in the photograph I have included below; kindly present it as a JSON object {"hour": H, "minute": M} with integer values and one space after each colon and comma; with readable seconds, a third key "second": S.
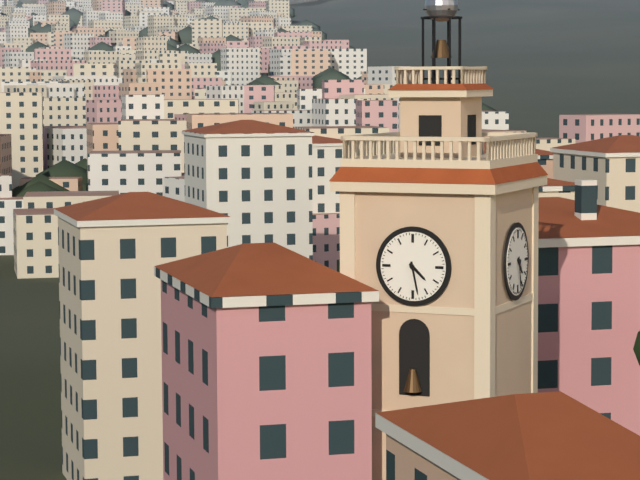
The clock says {"hour": 4, "minute": 28}
